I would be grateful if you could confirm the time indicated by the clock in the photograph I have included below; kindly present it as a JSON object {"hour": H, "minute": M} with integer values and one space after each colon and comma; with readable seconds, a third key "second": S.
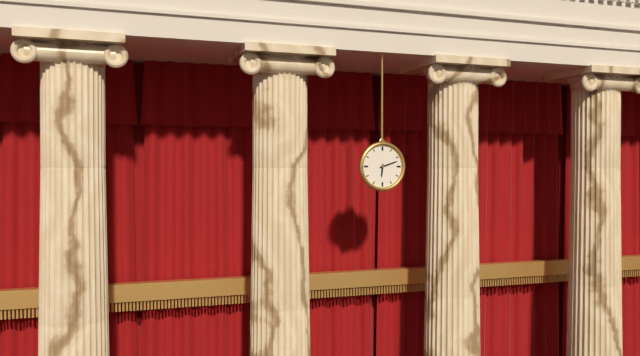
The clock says {"hour": 6, "minute": 12}
